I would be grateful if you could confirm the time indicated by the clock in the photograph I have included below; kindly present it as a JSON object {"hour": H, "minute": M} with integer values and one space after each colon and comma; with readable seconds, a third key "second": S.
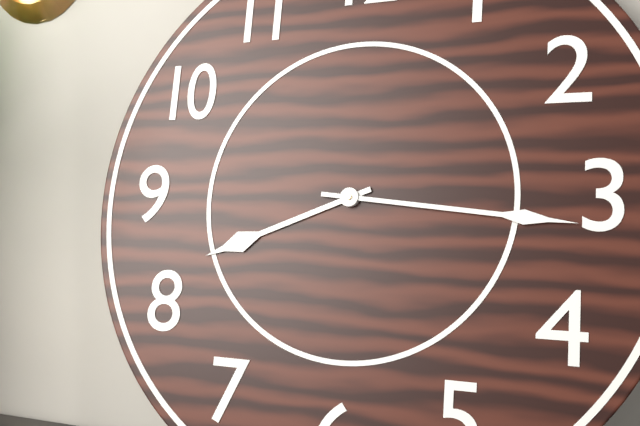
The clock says {"hour": 8, "minute": 16}
